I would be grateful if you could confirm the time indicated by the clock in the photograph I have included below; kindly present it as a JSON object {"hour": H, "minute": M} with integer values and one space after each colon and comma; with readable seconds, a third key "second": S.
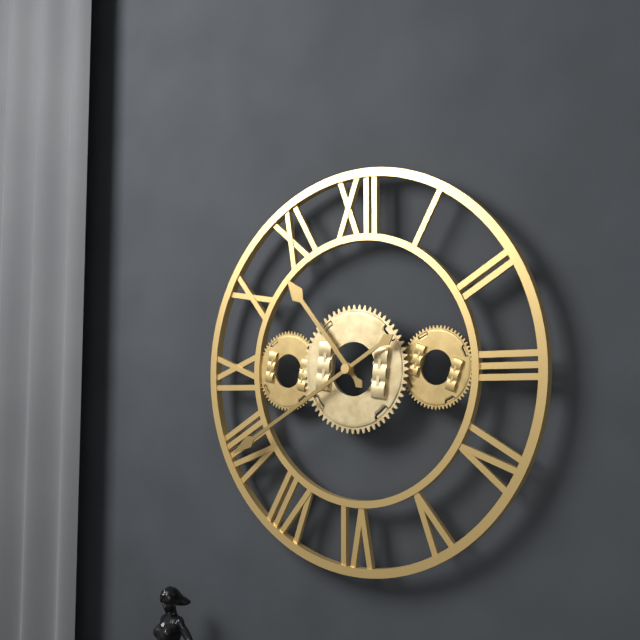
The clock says {"hour": 10, "minute": 40}
